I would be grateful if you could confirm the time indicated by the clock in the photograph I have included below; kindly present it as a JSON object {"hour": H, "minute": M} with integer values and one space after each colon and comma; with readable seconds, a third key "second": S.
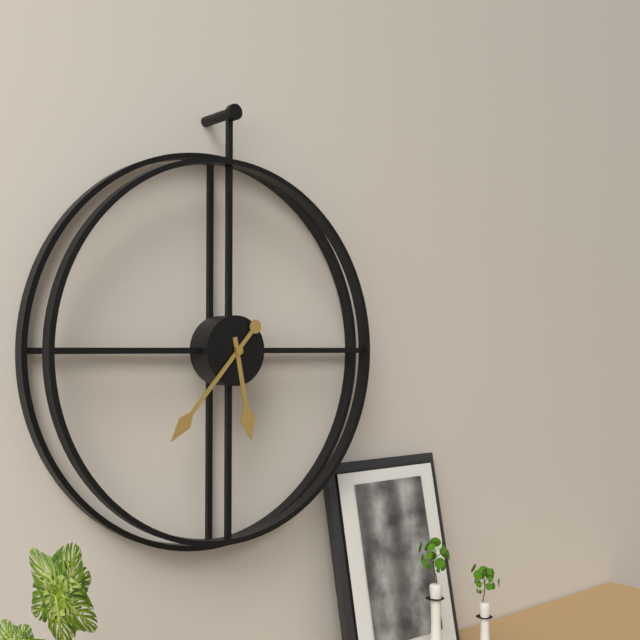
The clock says {"hour": 5, "minute": 37}
